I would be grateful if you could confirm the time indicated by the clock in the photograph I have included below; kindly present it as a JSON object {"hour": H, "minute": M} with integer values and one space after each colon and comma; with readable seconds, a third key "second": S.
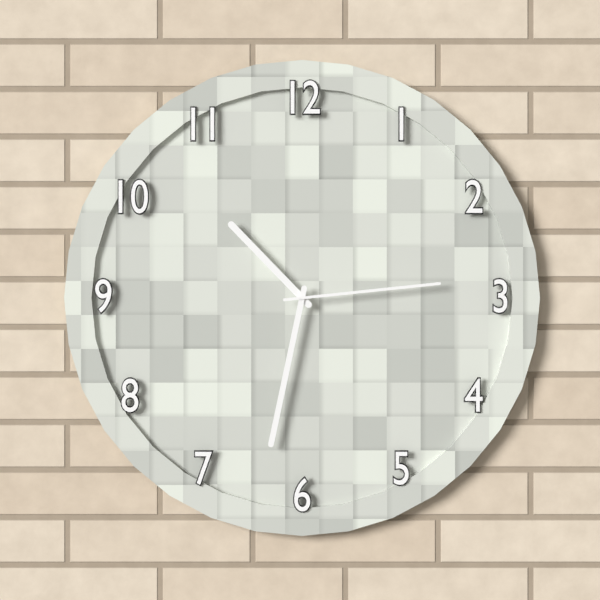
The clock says {"hour": 10, "minute": 32, "second": 14}
